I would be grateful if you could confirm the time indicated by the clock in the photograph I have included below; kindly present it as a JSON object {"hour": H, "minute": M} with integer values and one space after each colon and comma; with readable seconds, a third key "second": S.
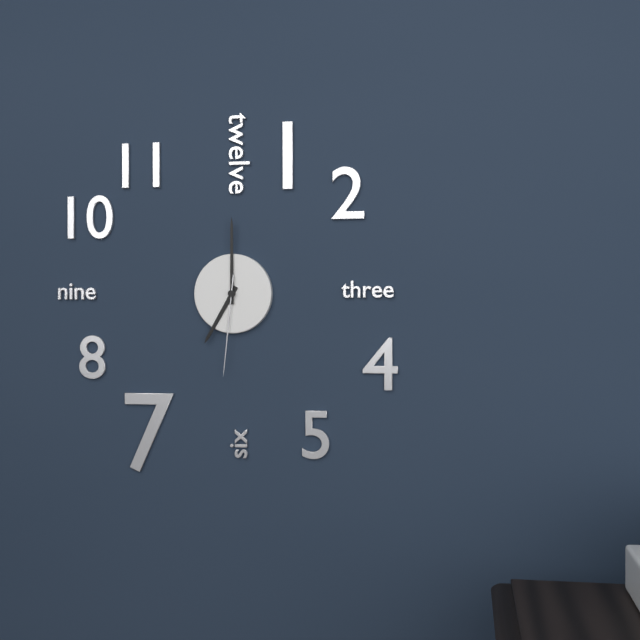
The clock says {"hour": 7, "minute": 0, "second": 31}
